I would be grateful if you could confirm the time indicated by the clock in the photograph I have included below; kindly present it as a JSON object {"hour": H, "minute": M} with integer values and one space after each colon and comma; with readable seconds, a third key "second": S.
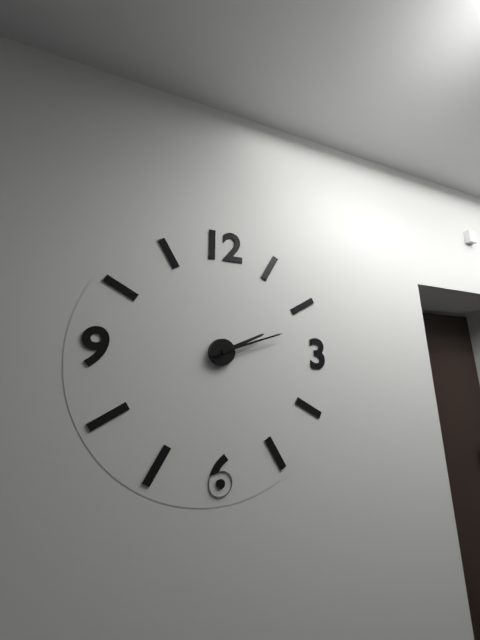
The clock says {"hour": 2, "minute": 12}
